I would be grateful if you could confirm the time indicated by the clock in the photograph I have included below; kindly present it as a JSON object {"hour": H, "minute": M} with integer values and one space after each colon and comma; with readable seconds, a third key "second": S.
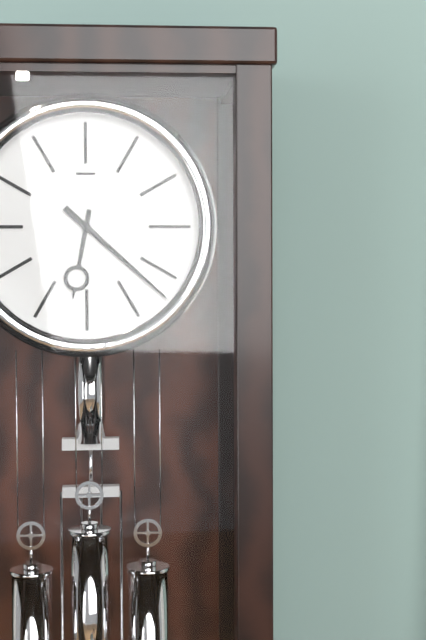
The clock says {"hour": 6, "minute": 22}
